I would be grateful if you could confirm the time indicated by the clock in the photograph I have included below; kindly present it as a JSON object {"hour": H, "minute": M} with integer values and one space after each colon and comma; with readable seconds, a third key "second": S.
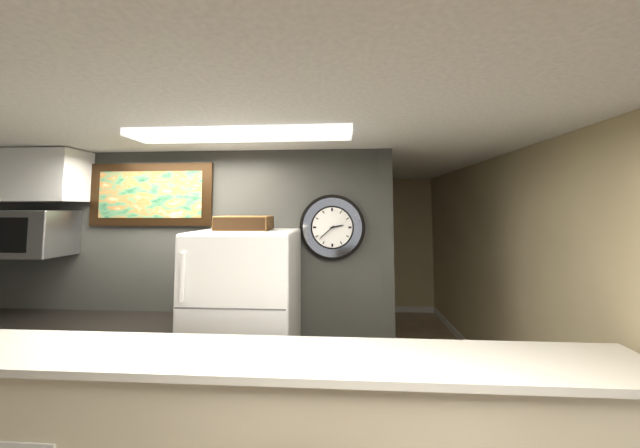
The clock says {"hour": 2, "minute": 38}
